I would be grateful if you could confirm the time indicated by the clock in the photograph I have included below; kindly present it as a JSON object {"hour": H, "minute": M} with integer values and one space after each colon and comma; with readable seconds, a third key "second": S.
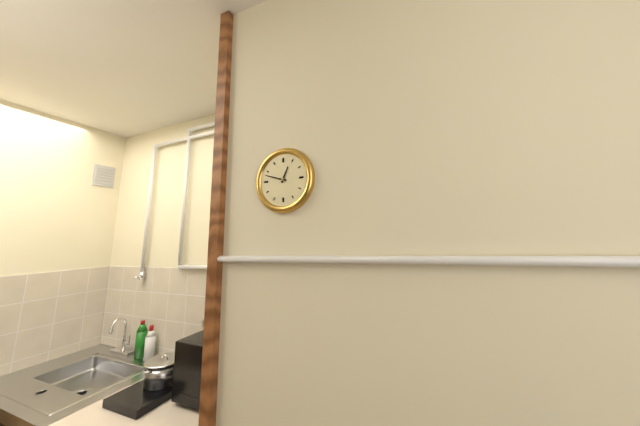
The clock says {"hour": 12, "minute": 48}
